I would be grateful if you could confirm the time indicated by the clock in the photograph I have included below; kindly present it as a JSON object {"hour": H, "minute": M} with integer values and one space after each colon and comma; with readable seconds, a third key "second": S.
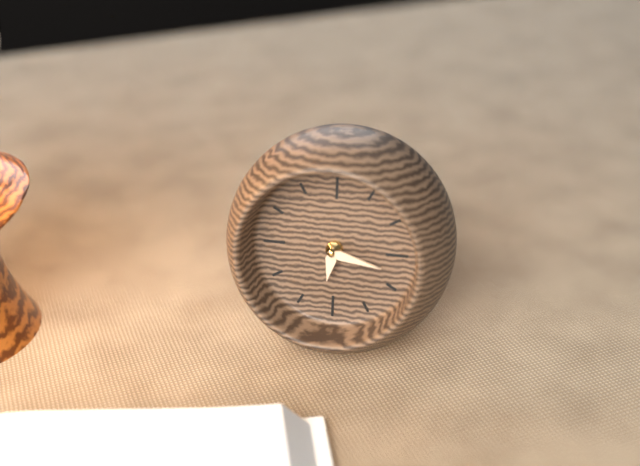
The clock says {"hour": 6, "minute": 17}
